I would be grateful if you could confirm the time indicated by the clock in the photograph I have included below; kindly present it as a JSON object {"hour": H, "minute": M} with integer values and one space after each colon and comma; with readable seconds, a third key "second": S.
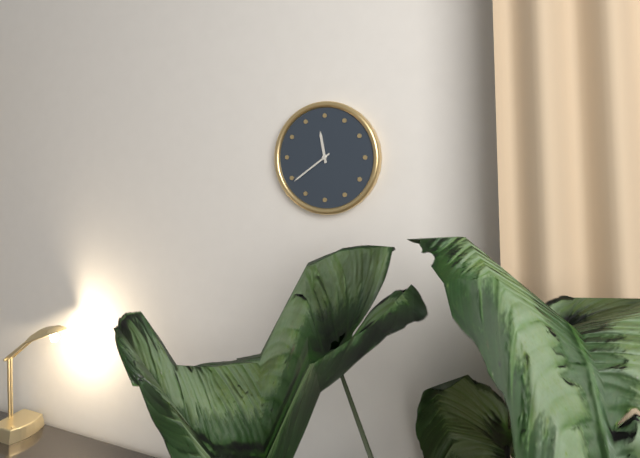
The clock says {"hour": 11, "minute": 39}
